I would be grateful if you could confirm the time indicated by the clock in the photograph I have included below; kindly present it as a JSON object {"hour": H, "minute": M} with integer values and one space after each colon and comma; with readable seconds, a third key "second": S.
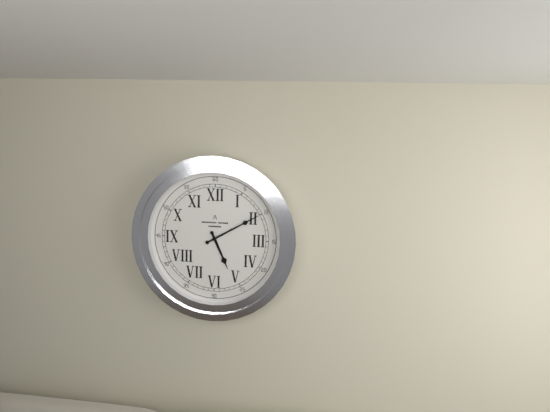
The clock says {"hour": 5, "minute": 10}
